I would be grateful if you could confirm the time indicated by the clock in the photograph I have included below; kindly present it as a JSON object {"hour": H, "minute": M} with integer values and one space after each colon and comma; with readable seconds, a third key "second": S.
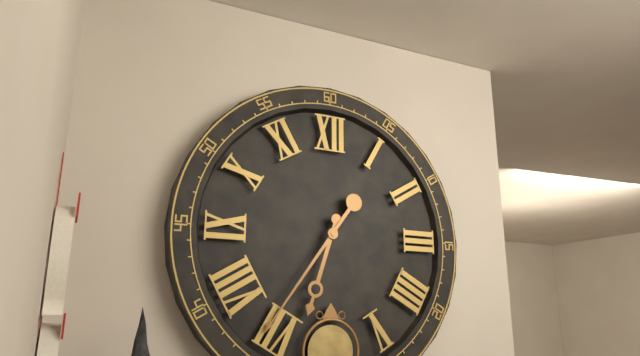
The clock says {"hour": 6, "minute": 36}
